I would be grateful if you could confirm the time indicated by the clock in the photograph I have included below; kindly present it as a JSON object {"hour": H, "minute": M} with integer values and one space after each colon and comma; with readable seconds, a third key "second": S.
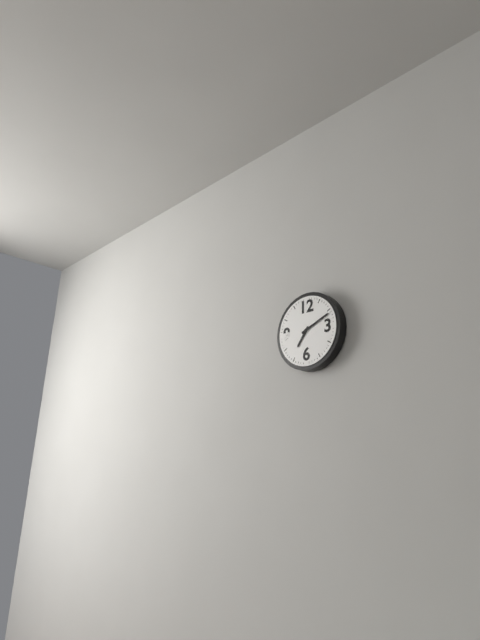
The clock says {"hour": 7, "minute": 11}
